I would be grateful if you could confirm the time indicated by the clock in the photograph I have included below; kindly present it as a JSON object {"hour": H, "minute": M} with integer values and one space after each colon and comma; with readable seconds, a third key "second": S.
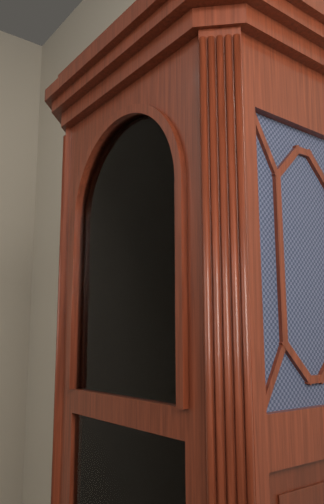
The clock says {"hour": 11, "minute": 22}
